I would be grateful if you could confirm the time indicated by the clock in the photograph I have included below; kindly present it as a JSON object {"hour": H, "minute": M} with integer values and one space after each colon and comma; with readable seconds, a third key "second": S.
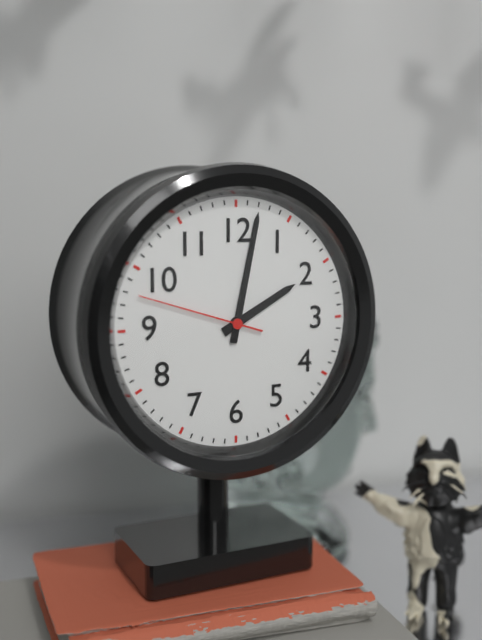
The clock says {"hour": 2, "minute": 2, "second": 48}
